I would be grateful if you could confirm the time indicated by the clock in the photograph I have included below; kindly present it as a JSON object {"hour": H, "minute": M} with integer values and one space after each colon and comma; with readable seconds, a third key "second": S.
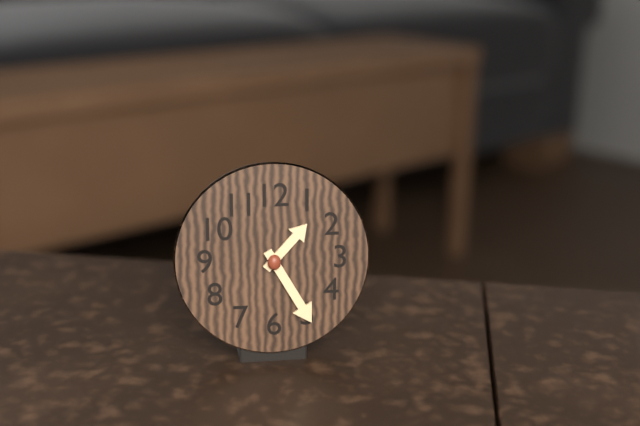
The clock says {"hour": 1, "minute": 25}
